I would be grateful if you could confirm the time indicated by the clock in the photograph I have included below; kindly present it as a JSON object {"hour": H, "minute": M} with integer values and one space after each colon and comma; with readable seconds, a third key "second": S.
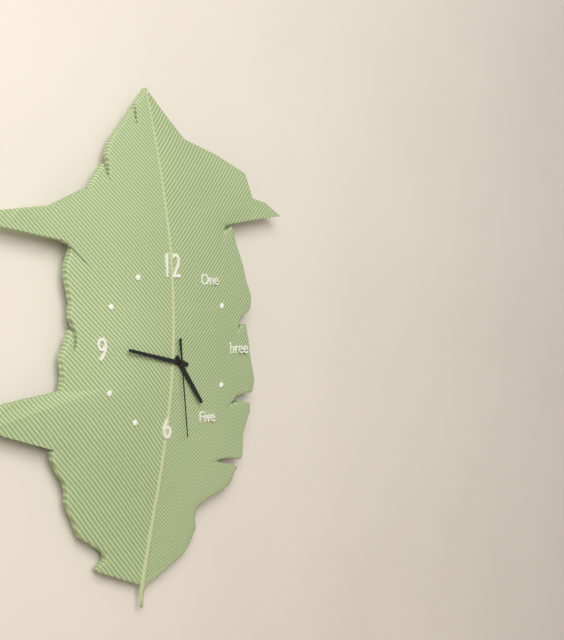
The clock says {"hour": 4, "minute": 47, "second": 29}
